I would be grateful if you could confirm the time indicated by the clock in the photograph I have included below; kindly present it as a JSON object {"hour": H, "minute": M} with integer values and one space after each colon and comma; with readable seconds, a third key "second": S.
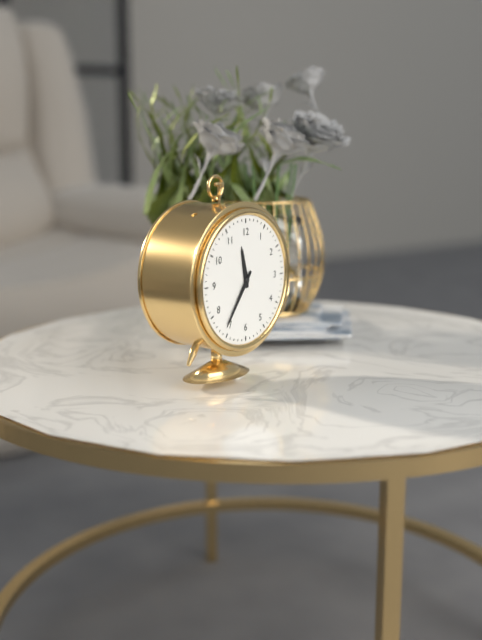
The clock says {"hour": 11, "minute": 36}
